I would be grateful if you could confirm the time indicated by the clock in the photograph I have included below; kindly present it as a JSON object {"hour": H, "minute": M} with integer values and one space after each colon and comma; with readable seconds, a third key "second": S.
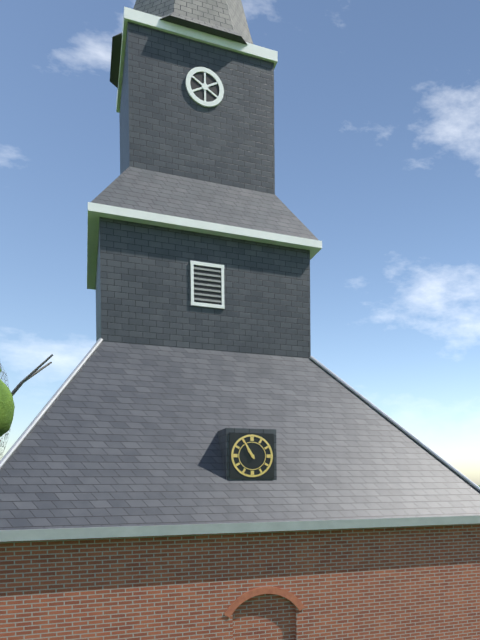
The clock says {"hour": 10, "minute": 55}
